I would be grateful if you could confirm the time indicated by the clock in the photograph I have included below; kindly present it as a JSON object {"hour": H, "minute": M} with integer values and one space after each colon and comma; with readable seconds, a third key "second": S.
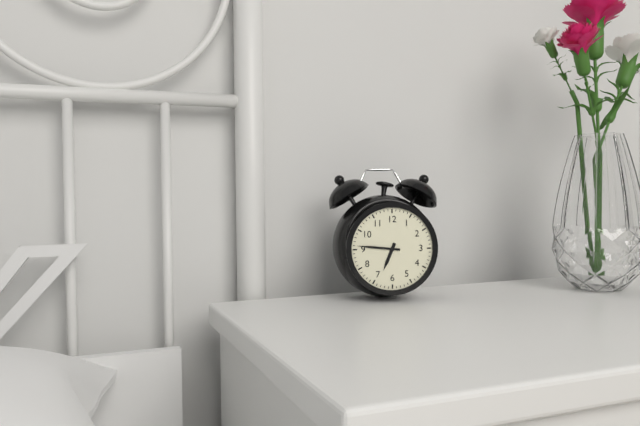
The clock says {"hour": 6, "minute": 46}
